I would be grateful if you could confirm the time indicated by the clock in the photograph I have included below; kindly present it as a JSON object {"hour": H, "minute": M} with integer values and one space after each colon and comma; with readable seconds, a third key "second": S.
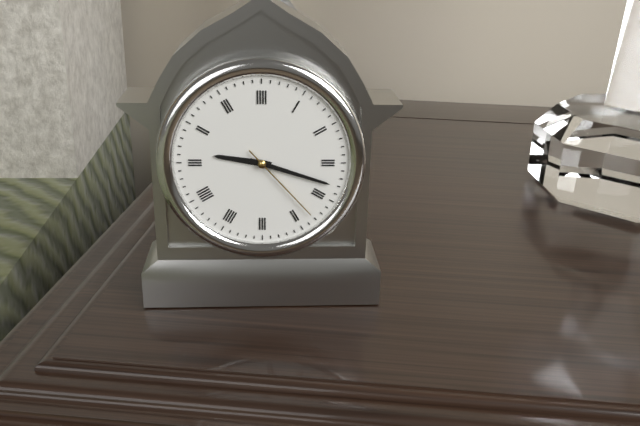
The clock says {"hour": 9, "minute": 18, "second": 23}
